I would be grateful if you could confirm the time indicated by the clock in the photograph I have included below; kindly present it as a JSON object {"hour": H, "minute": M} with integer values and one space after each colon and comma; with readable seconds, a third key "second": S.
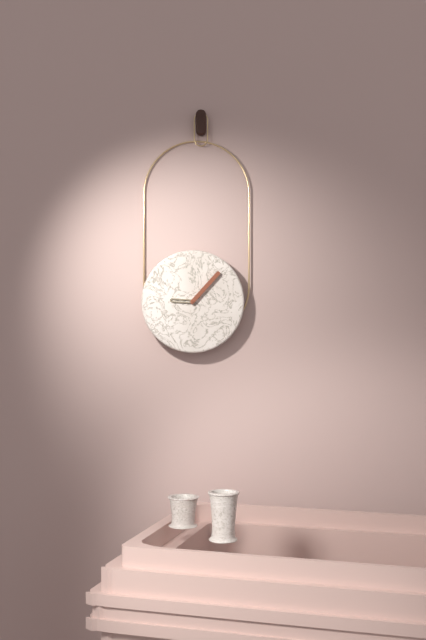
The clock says {"hour": 9, "minute": 7}
